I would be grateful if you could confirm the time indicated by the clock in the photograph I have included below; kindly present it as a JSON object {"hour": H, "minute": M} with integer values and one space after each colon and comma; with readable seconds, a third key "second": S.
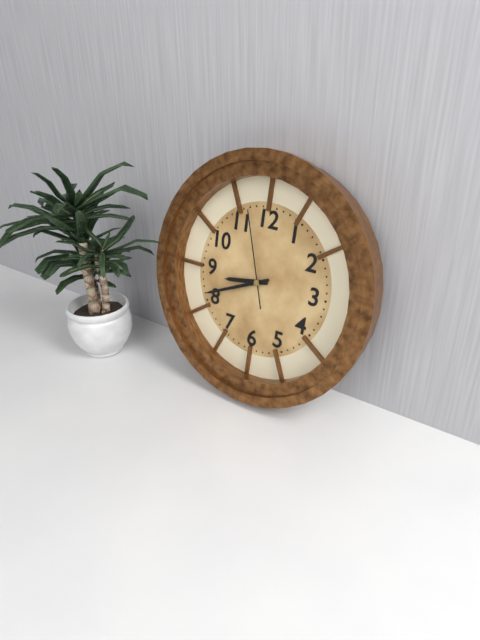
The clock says {"hour": 8, "minute": 41, "second": 57}
